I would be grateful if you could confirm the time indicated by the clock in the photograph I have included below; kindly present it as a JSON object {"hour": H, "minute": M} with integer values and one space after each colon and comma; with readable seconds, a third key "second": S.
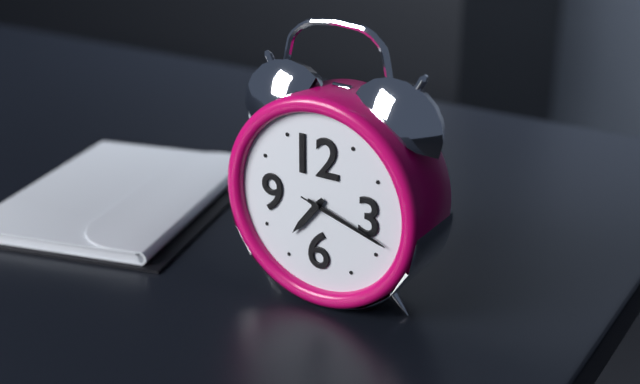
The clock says {"hour": 7, "minute": 18, "second": 18}
